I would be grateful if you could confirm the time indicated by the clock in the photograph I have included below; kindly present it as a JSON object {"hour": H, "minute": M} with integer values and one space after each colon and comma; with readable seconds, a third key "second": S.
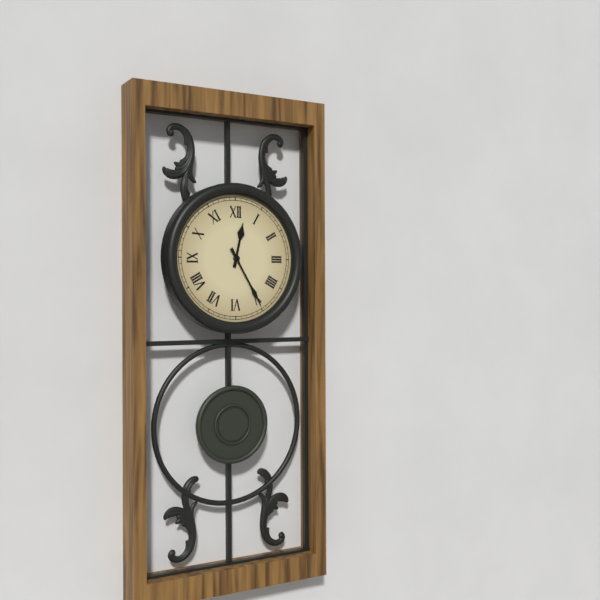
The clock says {"hour": 12, "minute": 25}
